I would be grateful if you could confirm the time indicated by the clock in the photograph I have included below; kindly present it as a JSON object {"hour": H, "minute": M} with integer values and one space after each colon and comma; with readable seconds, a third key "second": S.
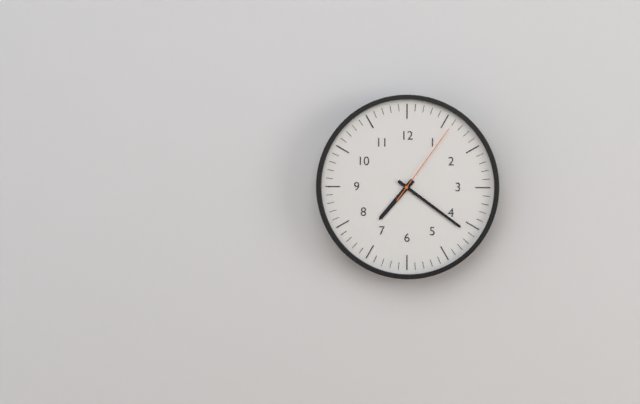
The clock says {"hour": 7, "minute": 21, "second": 6}
